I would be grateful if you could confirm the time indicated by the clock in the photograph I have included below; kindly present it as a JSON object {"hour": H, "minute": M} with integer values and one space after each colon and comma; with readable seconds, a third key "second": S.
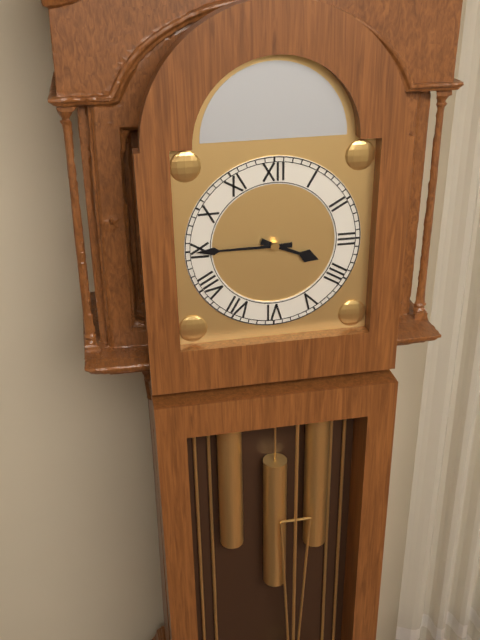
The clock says {"hour": 3, "minute": 45}
